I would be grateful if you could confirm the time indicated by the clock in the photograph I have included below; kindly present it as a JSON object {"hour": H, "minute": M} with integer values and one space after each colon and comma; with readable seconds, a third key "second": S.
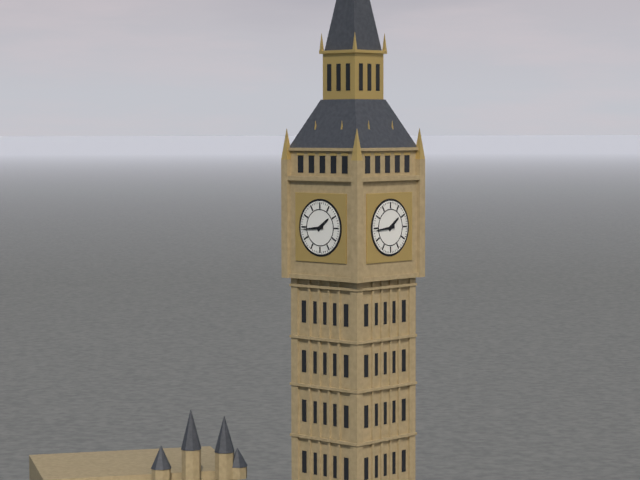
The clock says {"hour": 1, "minute": 44}
